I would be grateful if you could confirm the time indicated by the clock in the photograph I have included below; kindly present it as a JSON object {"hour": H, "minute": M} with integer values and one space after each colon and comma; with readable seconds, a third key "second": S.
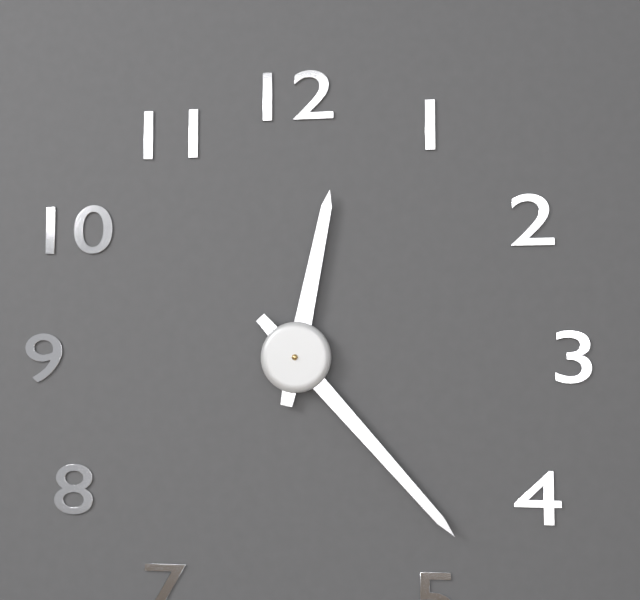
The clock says {"hour": 12, "minute": 23}
